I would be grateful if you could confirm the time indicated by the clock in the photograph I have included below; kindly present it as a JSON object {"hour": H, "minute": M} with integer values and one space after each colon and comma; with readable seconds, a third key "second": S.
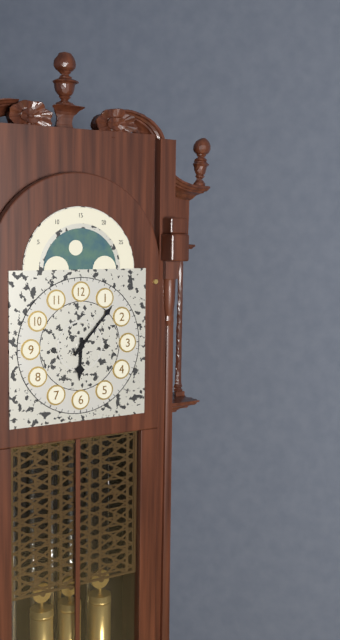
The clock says {"hour": 6, "minute": 7}
